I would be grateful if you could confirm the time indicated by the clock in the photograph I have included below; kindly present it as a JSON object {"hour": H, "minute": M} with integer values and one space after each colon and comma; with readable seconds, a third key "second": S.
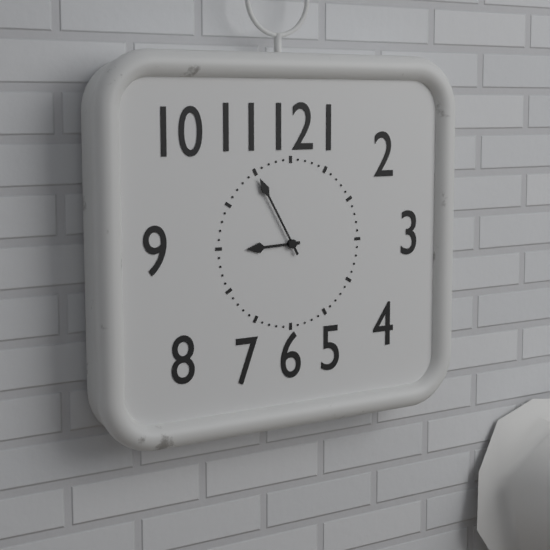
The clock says {"hour": 8, "minute": 55}
